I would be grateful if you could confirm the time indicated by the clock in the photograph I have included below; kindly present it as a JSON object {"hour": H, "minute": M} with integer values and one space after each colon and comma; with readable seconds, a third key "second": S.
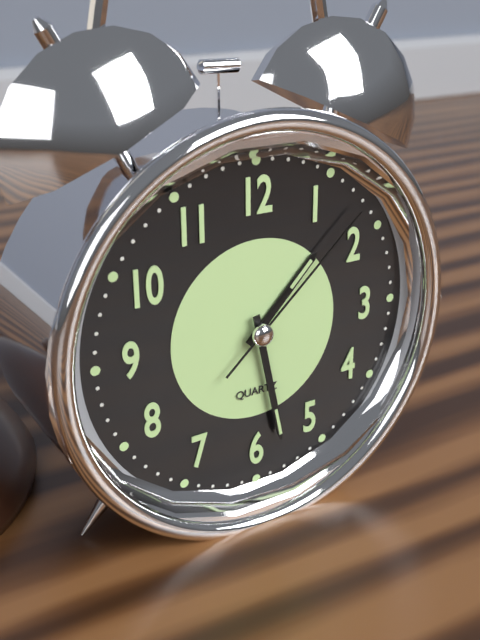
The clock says {"hour": 1, "minute": 28, "second": 8}
